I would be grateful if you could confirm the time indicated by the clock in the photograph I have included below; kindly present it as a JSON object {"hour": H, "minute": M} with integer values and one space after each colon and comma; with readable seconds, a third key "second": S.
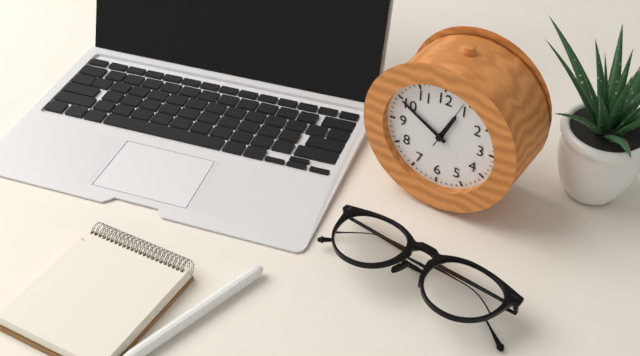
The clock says {"hour": 12, "minute": 50, "second": 4}
